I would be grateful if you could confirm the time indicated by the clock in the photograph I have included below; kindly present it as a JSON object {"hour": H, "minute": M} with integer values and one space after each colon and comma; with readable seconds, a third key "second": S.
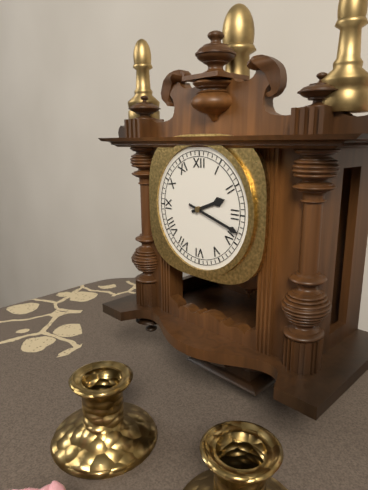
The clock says {"hour": 2, "minute": 18}
